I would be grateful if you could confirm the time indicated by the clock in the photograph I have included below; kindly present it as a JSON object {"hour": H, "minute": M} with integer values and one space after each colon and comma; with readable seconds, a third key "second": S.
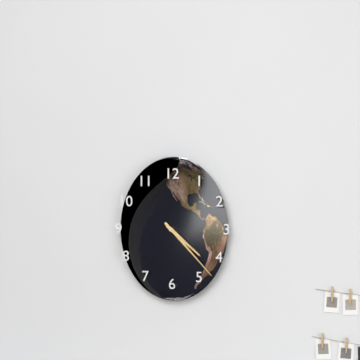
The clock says {"hour": 4, "minute": 23}
